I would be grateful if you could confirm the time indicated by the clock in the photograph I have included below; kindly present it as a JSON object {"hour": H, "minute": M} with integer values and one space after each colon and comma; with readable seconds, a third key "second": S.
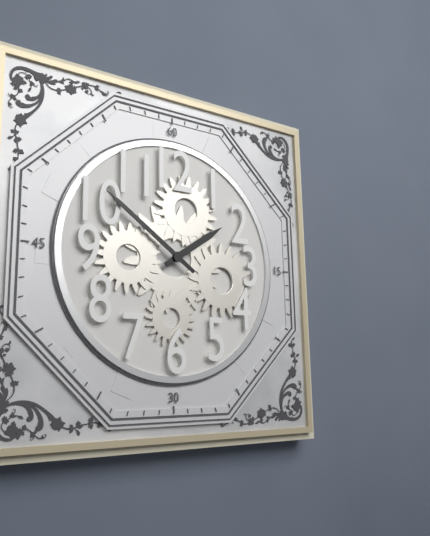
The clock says {"hour": 1, "minute": 51}
